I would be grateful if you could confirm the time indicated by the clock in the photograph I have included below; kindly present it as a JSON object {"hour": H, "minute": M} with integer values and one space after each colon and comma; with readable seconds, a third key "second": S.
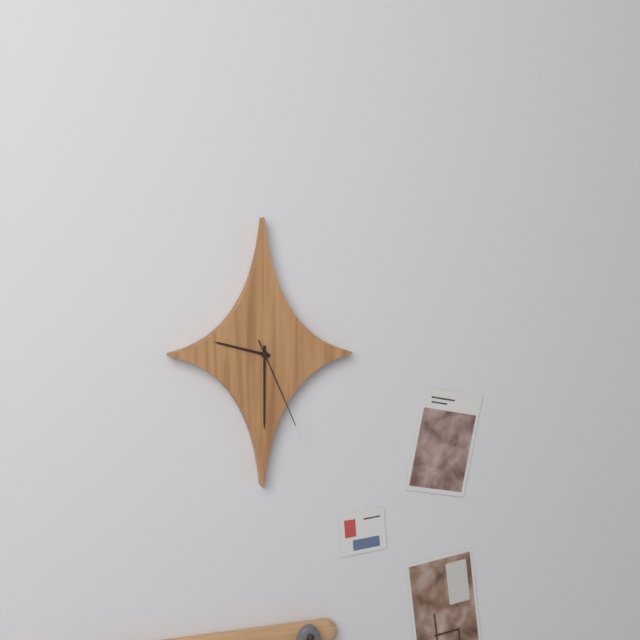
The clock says {"hour": 9, "minute": 30, "second": 26}
